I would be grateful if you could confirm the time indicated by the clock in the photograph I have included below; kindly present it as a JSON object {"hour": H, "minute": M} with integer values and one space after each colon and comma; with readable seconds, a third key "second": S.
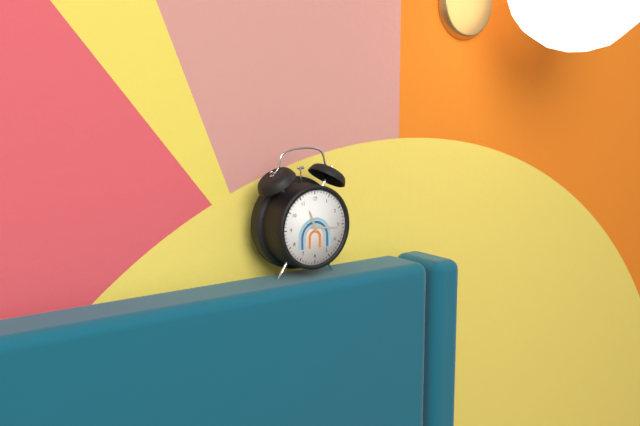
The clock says {"hour": 11, "minute": 16}
